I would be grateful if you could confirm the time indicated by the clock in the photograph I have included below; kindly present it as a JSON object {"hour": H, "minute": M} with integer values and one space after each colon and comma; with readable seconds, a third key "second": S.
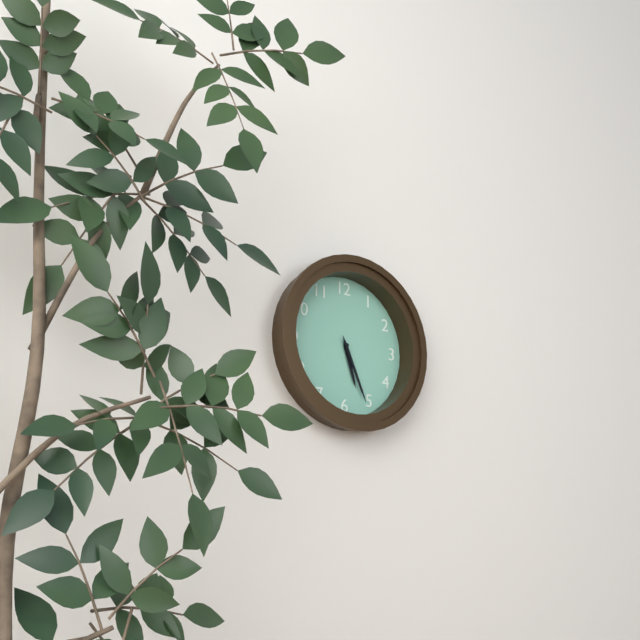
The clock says {"hour": 5, "minute": 26}
